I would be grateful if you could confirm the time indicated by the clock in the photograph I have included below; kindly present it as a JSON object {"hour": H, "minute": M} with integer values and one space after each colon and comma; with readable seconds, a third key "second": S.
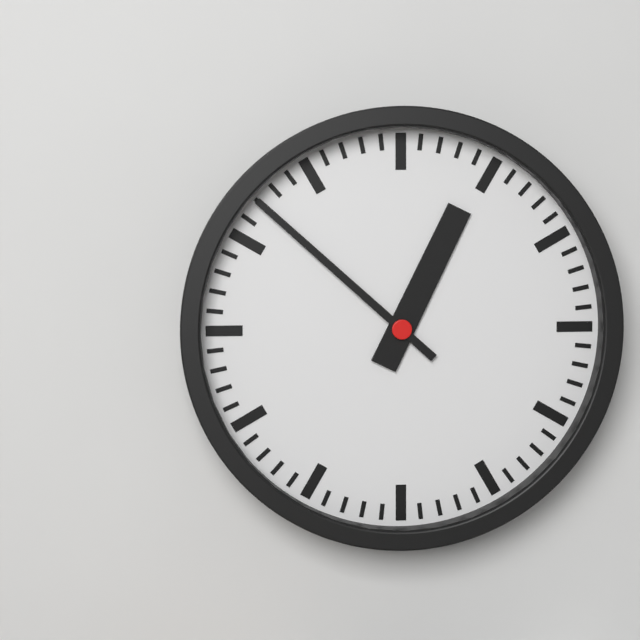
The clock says {"hour": 12, "minute": 52}
